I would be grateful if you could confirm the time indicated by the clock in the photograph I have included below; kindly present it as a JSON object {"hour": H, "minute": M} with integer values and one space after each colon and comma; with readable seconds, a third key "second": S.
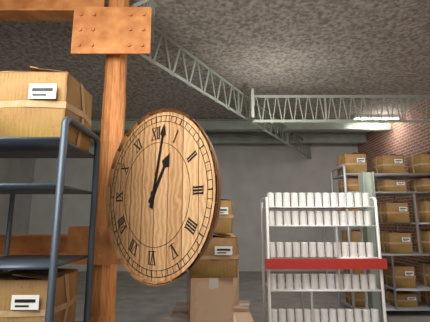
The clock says {"hour": 1, "minute": 2}
